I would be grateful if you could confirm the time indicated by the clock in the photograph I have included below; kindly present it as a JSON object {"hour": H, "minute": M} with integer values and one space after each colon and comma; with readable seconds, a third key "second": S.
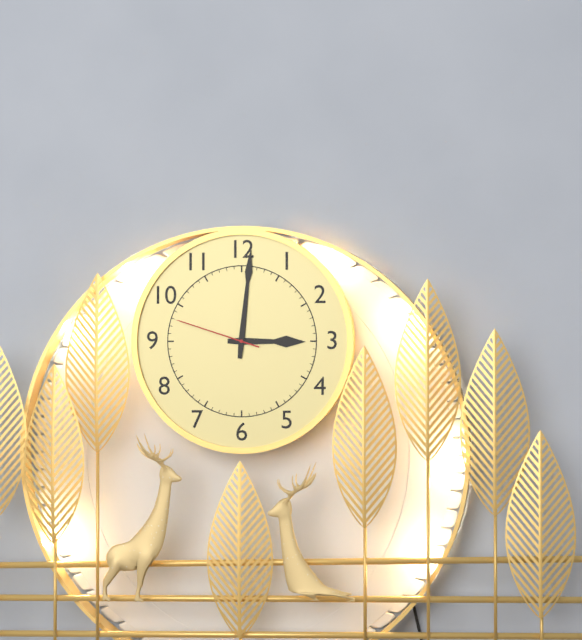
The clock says {"hour": 3, "minute": 1, "second": 48}
